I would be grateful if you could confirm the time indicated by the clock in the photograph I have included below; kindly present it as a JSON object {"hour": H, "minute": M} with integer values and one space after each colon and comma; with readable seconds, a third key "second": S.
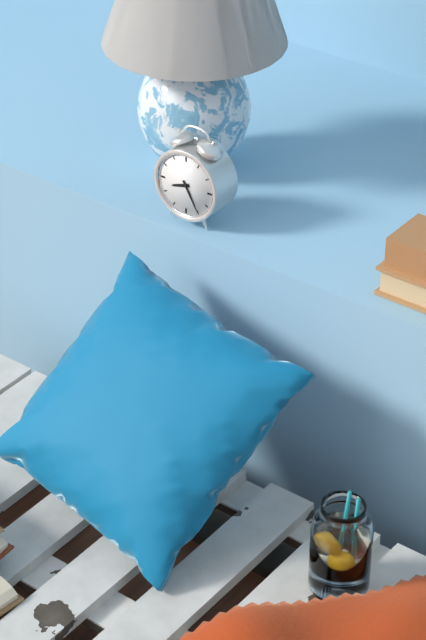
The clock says {"hour": 8, "minute": 25}
